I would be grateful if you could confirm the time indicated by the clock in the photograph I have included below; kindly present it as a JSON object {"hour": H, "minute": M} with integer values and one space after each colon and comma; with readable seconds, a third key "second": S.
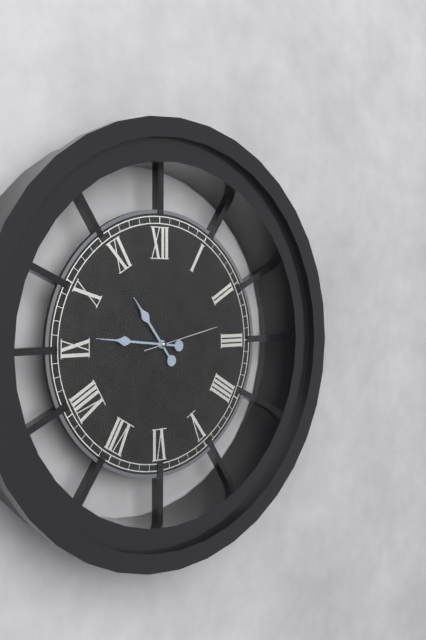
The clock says {"hour": 10, "minute": 46, "second": 13}
